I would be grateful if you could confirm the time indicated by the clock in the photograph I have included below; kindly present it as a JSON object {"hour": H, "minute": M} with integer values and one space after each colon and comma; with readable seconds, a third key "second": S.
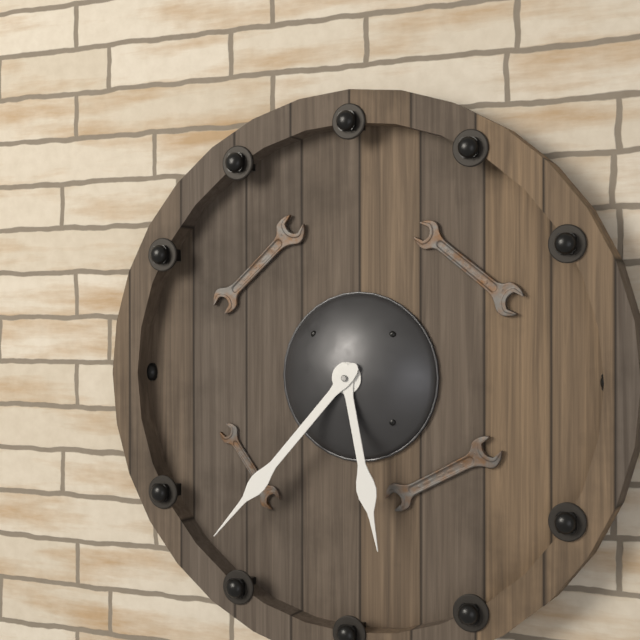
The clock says {"hour": 5, "minute": 37}
